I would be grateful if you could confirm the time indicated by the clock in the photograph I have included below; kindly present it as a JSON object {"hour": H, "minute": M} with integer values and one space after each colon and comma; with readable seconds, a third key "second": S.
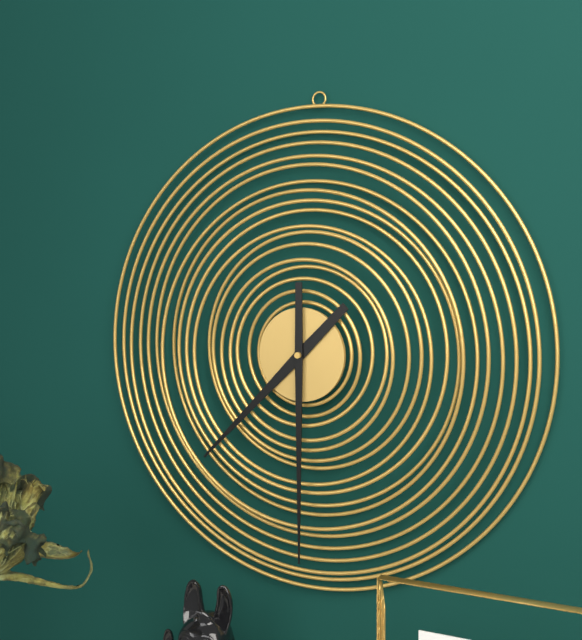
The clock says {"hour": 7, "minute": 30}
